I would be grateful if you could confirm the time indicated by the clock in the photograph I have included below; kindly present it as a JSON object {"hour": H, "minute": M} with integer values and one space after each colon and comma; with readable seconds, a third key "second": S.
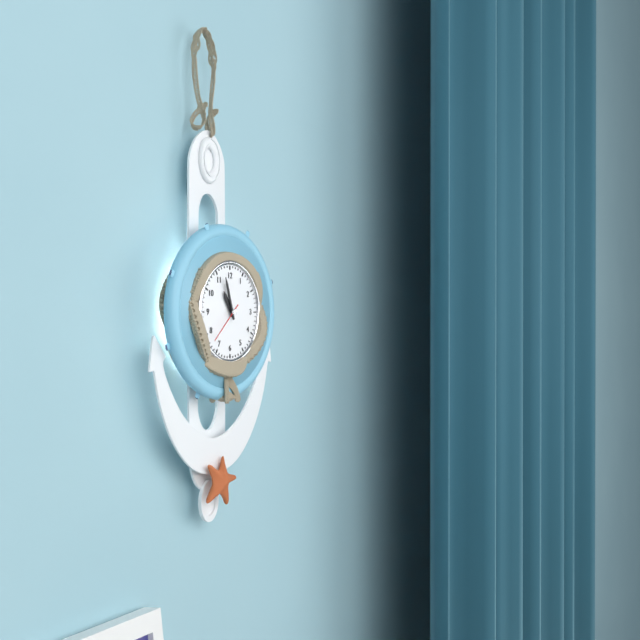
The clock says {"hour": 10, "minute": 57}
